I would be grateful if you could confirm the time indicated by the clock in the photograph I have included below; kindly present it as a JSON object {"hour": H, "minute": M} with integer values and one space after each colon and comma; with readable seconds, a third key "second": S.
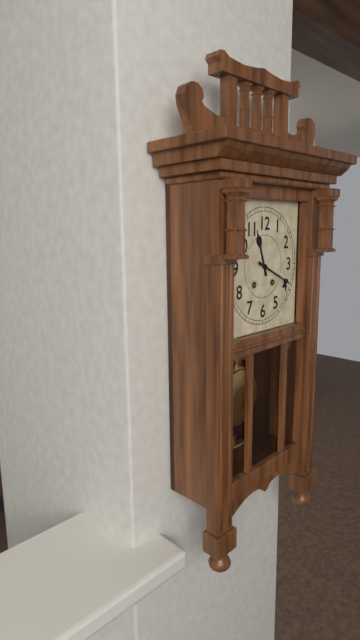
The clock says {"hour": 11, "minute": 19}
